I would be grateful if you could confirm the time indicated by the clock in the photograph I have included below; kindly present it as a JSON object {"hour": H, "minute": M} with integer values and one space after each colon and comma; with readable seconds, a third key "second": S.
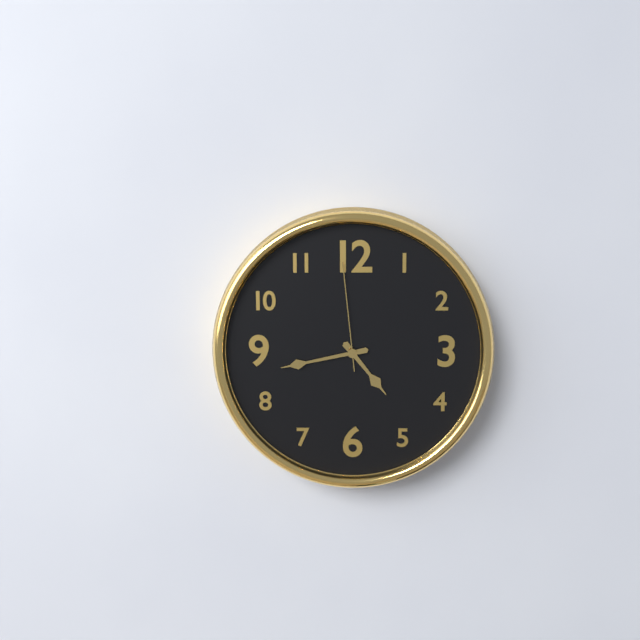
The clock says {"hour": 4, "minute": 43, "second": 59}
